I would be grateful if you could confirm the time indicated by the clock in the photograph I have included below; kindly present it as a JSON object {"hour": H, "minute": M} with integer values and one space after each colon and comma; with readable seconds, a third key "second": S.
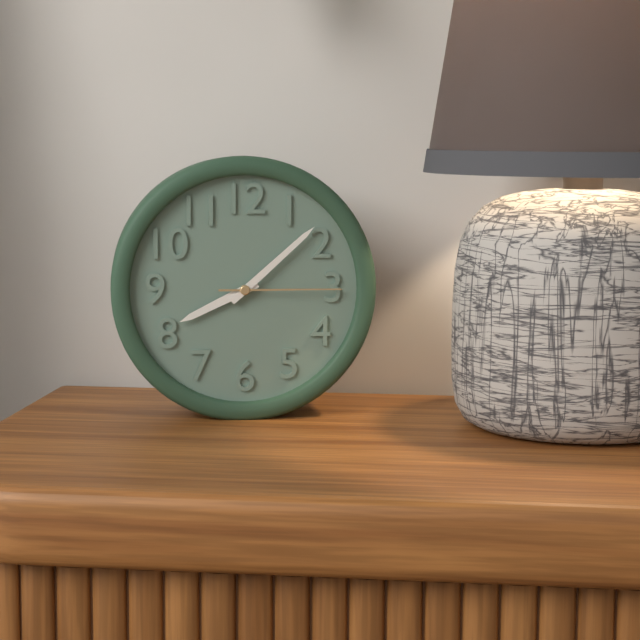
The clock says {"hour": 8, "minute": 8, "second": 15}
